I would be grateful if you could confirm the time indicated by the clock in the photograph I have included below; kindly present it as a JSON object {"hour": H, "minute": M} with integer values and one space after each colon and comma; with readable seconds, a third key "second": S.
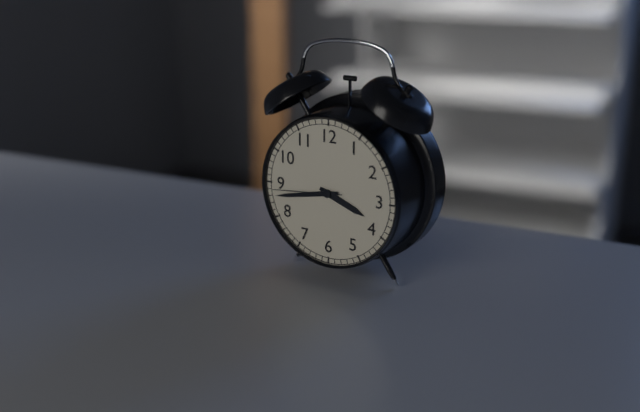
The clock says {"hour": 3, "minute": 43, "second": 44}
